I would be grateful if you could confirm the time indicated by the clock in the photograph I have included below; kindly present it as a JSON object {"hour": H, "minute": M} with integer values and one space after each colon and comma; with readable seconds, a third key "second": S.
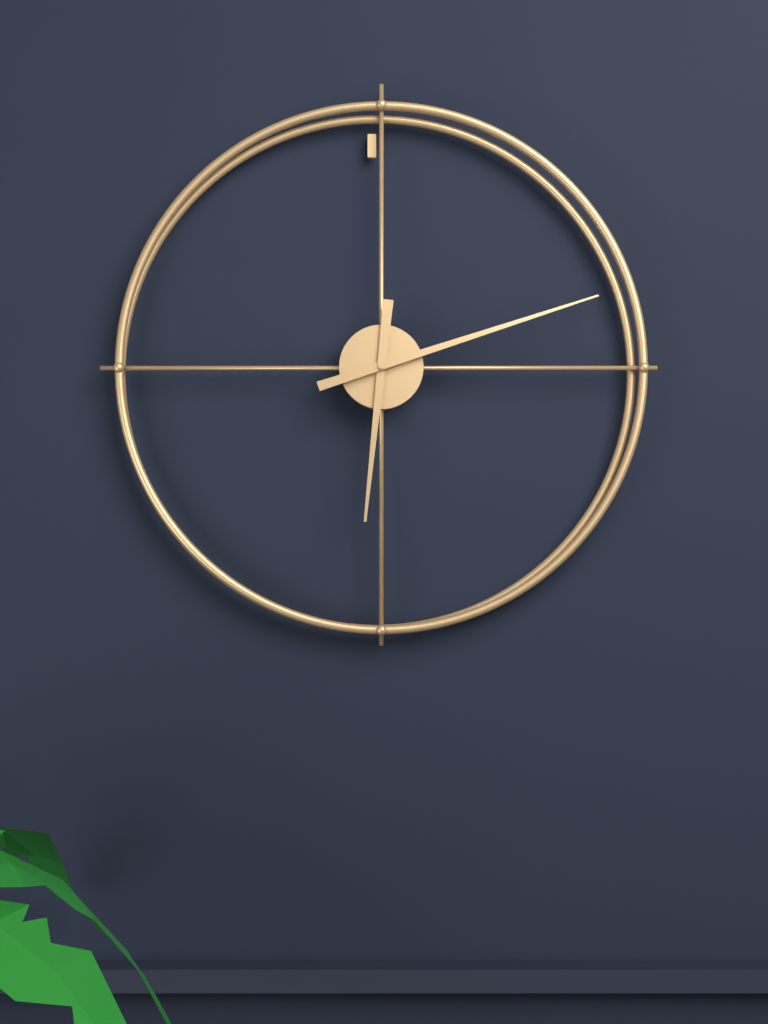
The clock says {"hour": 6, "minute": 12}
